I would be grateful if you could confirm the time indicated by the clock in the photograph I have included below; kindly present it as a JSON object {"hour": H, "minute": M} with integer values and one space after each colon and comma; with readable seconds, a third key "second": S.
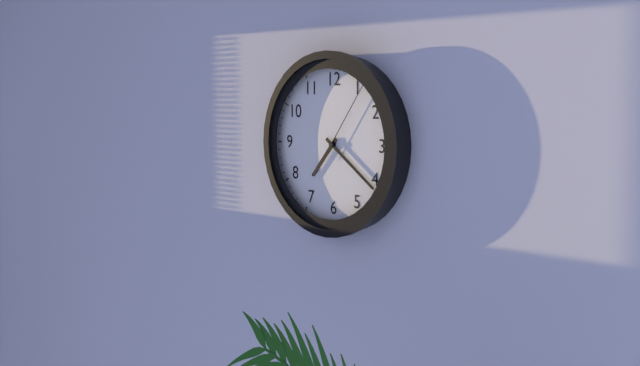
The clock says {"hour": 7, "minute": 21, "second": 6}
